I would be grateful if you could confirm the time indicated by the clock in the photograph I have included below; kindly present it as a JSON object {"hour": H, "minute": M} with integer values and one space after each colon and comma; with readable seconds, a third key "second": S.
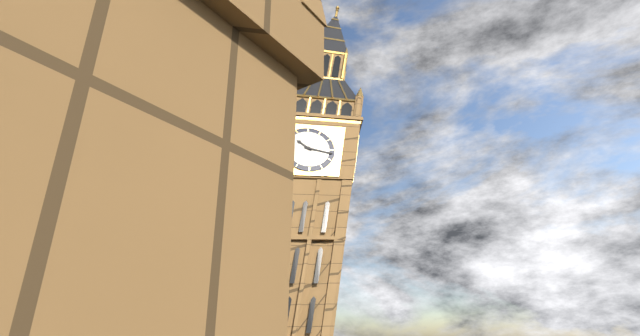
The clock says {"hour": 10, "minute": 17}
